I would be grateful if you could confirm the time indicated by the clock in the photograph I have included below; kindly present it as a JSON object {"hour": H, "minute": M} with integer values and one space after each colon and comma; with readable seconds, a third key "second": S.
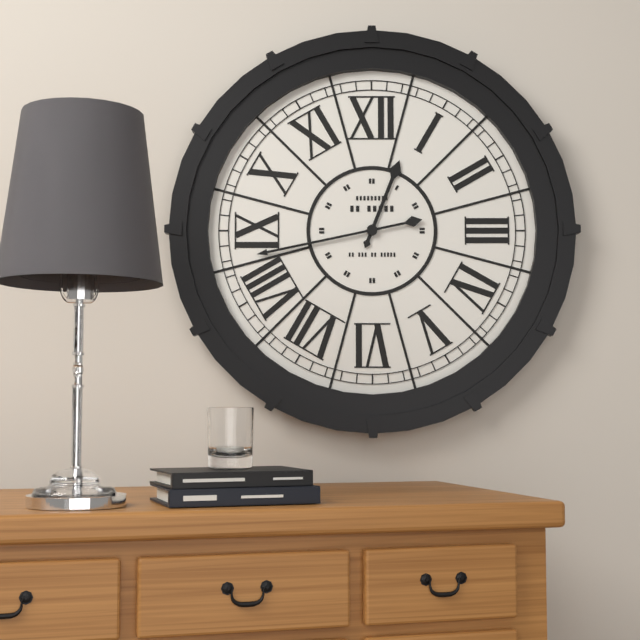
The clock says {"hour": 12, "minute": 43}
